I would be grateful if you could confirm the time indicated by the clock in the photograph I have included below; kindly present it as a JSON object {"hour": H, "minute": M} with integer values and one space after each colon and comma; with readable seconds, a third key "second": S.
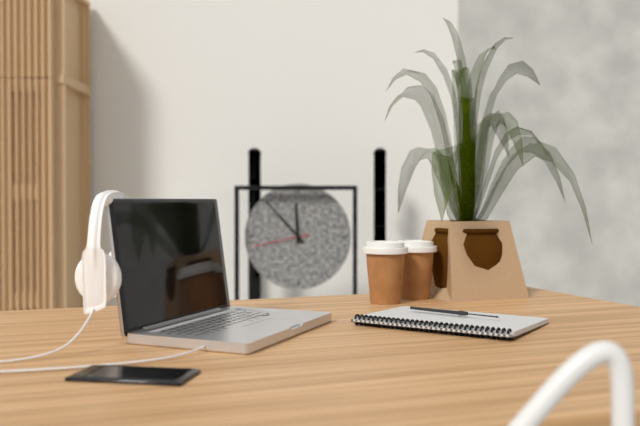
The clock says {"hour": 11, "minute": 53, "second": 43}
